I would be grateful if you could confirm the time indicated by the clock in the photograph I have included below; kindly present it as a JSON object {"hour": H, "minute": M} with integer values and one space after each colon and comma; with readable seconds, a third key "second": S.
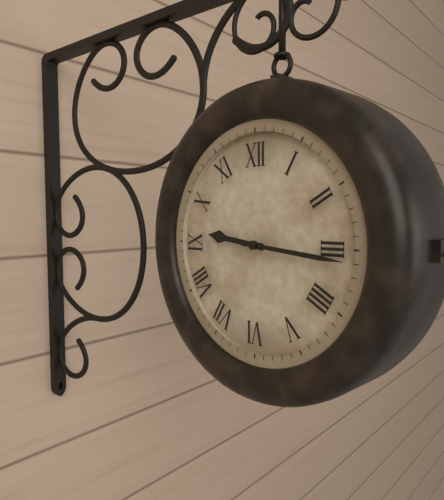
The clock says {"hour": 9, "minute": 16}
